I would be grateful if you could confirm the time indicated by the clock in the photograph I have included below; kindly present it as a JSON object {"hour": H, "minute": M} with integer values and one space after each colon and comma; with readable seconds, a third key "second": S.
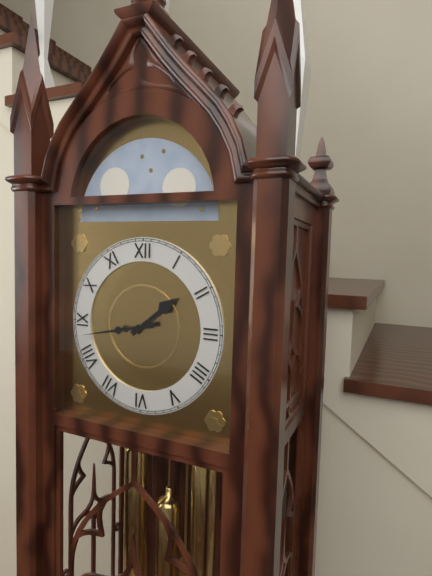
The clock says {"hour": 1, "minute": 43}
